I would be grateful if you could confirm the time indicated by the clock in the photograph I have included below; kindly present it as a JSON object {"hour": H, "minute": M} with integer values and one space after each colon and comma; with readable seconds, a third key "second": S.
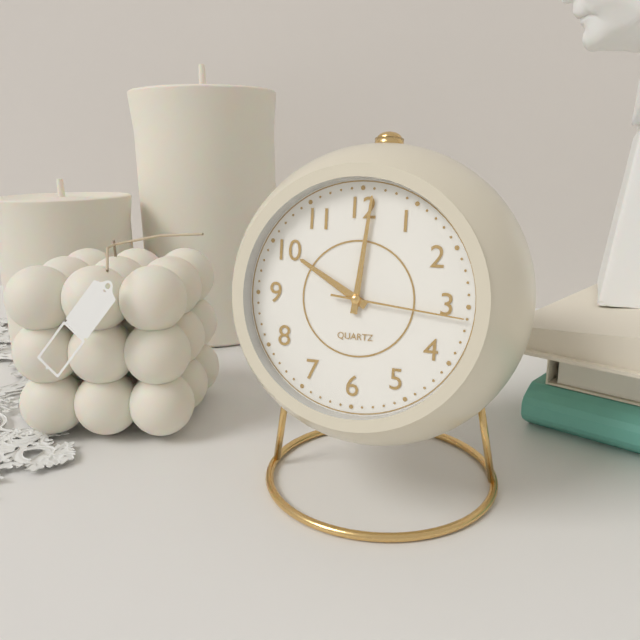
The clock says {"hour": 10, "minute": 1, "second": 16}
